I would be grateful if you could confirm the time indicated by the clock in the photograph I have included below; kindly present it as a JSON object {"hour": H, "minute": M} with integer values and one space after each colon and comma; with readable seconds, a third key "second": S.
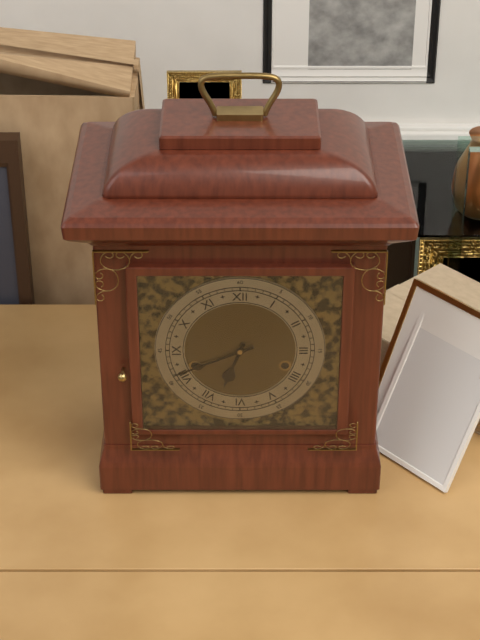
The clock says {"hour": 6, "minute": 41}
